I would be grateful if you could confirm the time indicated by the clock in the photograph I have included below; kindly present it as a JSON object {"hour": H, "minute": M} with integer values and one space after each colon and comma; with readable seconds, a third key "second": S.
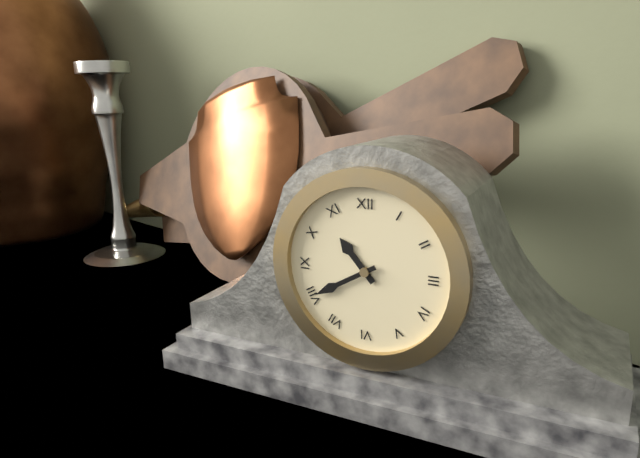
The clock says {"hour": 10, "minute": 40}
